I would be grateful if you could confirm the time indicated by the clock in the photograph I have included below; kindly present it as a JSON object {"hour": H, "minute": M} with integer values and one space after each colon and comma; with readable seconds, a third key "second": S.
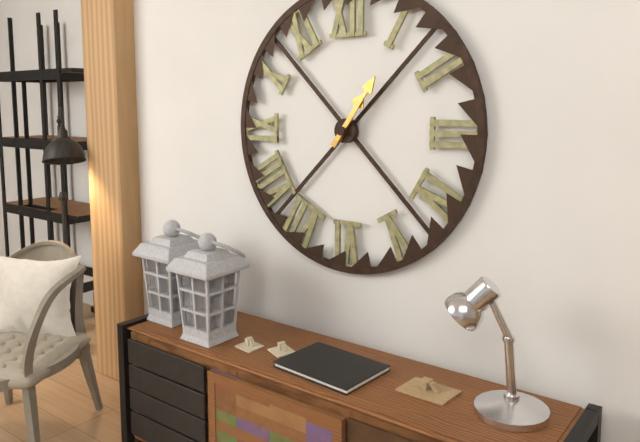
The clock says {"hour": 1, "minute": 6}
